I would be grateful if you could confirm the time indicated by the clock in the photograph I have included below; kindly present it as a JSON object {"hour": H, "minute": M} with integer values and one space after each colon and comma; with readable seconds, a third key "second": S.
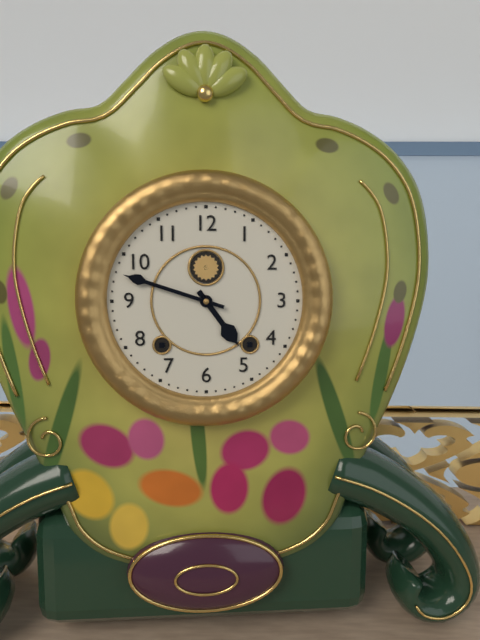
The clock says {"hour": 4, "minute": 48}
